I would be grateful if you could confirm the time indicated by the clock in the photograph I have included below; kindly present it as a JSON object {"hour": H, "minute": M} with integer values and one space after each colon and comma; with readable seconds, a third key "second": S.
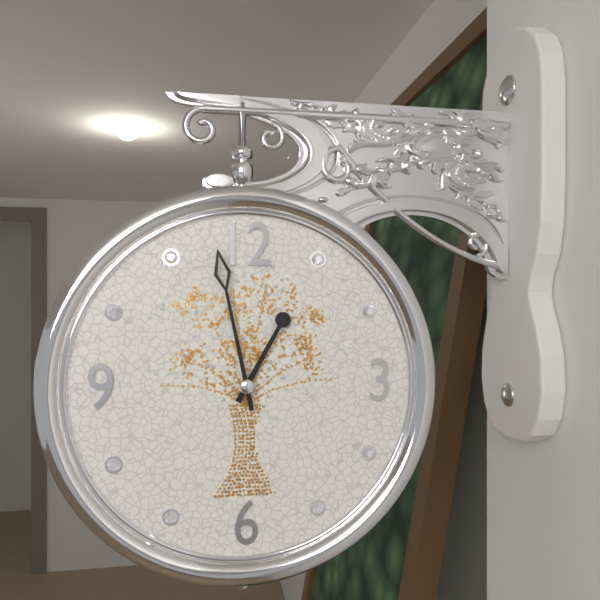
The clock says {"hour": 12, "minute": 58}
